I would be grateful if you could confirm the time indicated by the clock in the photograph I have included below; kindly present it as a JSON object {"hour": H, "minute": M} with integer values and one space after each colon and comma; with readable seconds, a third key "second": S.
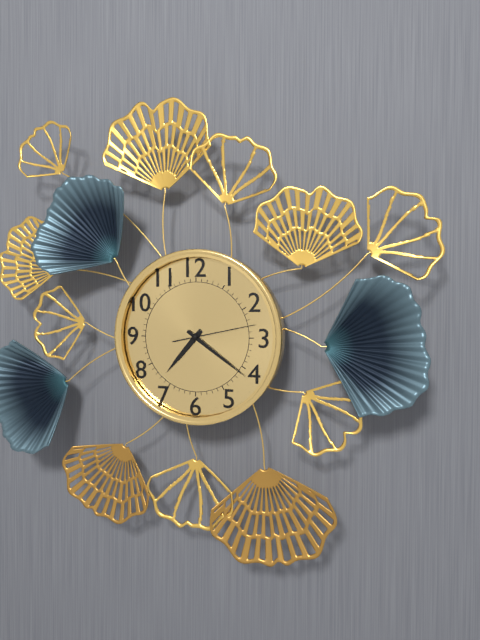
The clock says {"hour": 7, "minute": 21, "second": 13}
